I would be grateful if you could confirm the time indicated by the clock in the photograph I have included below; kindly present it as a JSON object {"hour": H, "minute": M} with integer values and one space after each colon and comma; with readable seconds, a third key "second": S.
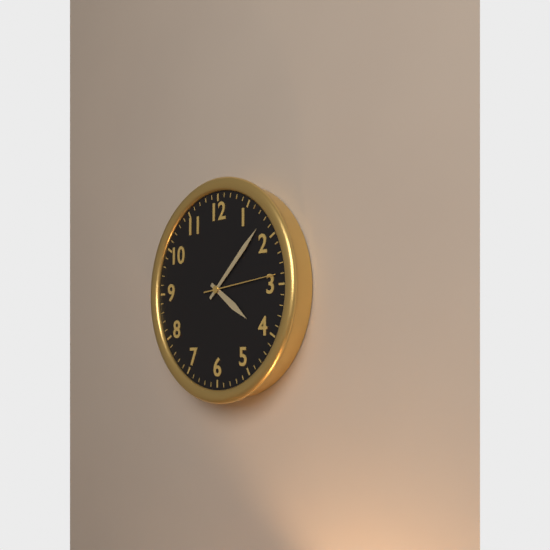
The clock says {"hour": 4, "minute": 8}
